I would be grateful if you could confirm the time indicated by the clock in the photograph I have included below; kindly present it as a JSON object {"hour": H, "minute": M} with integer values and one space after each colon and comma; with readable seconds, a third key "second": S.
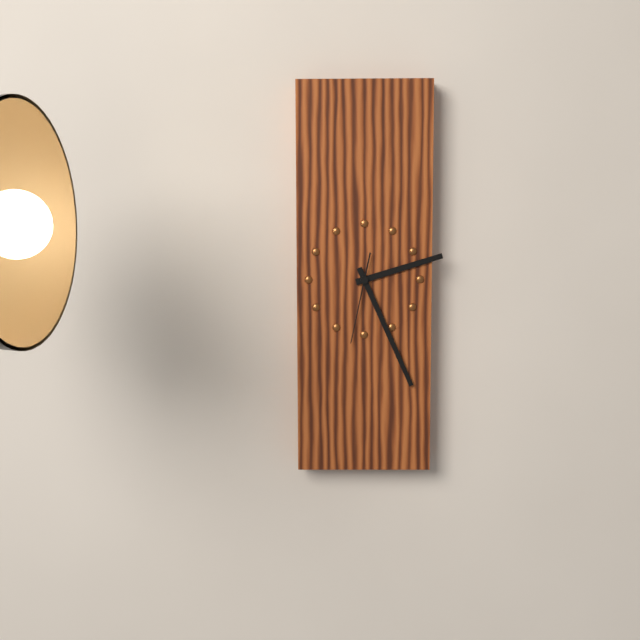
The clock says {"hour": 2, "minute": 26, "second": 32}
